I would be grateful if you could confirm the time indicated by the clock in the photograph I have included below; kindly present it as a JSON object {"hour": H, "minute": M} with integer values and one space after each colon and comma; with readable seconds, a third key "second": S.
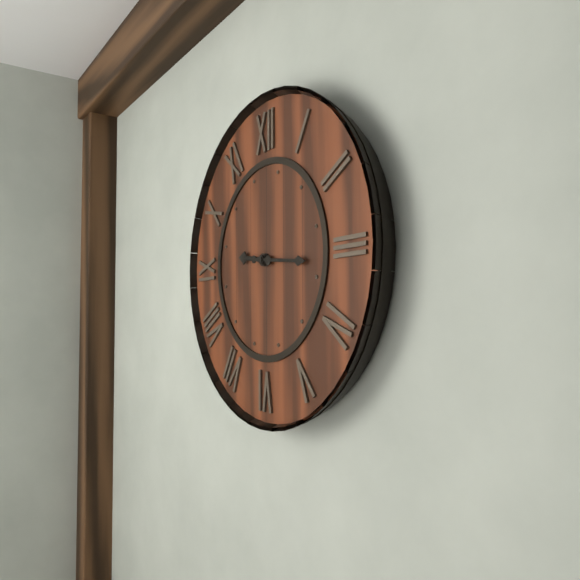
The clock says {"hour": 9, "minute": 16}
